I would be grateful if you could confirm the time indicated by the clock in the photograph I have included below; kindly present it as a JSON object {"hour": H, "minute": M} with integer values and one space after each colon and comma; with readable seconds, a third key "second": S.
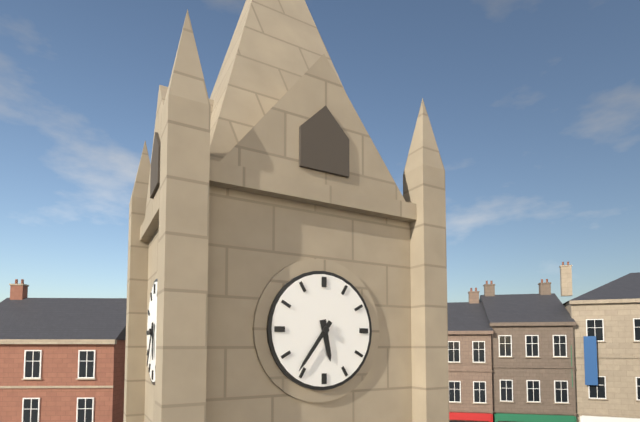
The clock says {"hour": 5, "minute": 36}
